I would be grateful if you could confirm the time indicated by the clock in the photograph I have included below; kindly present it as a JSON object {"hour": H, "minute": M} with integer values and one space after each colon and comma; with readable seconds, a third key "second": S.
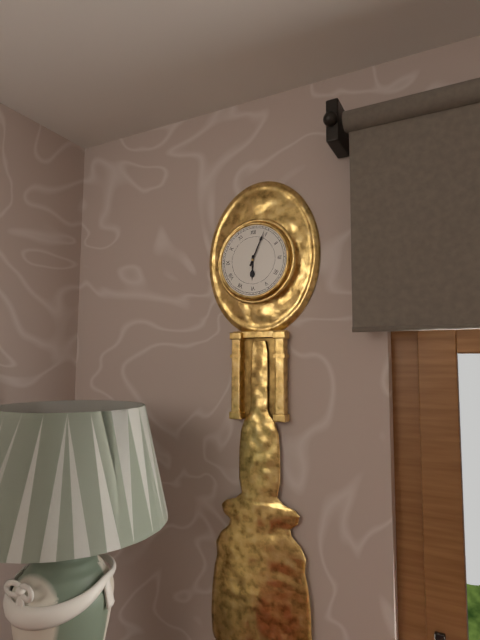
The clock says {"hour": 6, "minute": 4}
